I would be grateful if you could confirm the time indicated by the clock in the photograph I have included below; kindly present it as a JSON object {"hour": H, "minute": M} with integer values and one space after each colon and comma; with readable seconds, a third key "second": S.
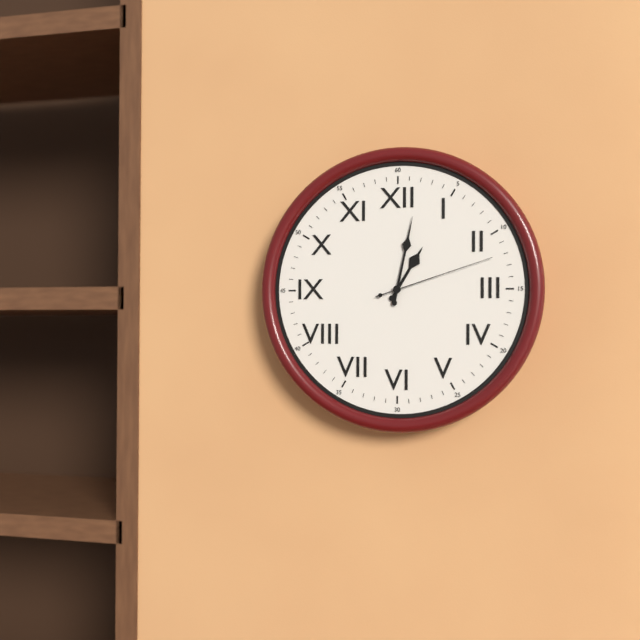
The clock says {"hour": 1, "minute": 2, "second": 12}
